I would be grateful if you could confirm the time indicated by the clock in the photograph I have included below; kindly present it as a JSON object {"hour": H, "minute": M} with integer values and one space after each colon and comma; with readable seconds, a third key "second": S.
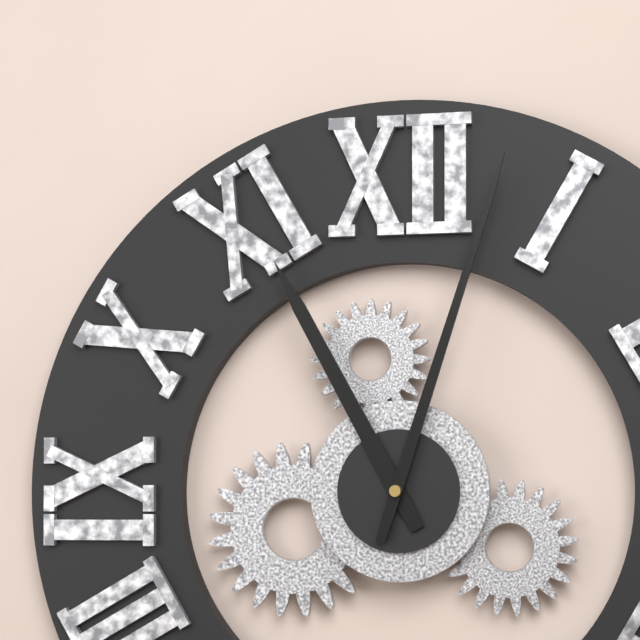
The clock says {"hour": 11, "minute": 3}
